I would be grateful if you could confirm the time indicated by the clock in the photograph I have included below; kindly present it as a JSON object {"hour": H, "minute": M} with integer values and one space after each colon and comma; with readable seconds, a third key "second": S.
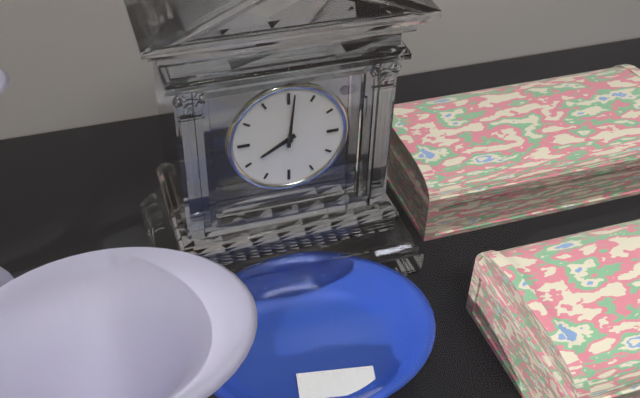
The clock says {"hour": 8, "minute": 1}
